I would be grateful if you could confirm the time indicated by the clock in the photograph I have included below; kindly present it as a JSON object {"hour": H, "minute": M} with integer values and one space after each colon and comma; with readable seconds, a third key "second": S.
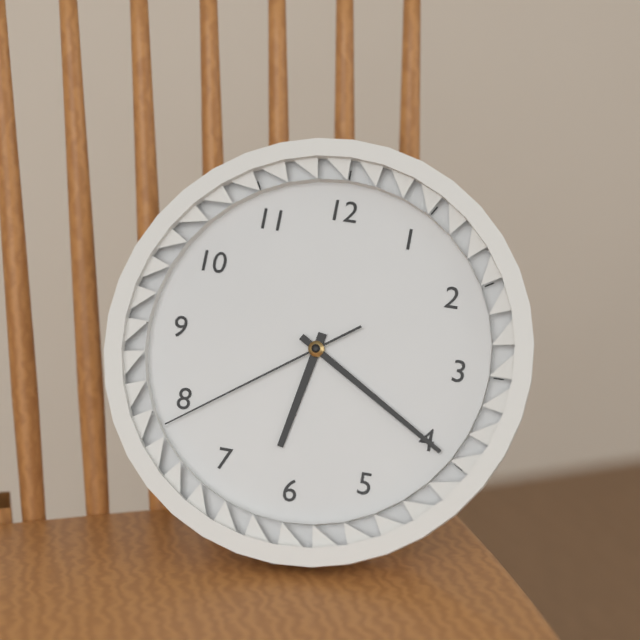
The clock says {"hour": 6, "minute": 20, "second": 39}
